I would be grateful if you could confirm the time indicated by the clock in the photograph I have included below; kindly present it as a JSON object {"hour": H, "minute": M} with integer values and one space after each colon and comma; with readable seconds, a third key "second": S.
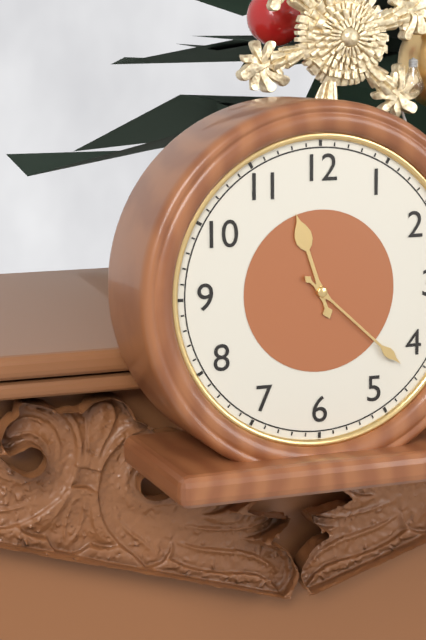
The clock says {"hour": 11, "minute": 22}
